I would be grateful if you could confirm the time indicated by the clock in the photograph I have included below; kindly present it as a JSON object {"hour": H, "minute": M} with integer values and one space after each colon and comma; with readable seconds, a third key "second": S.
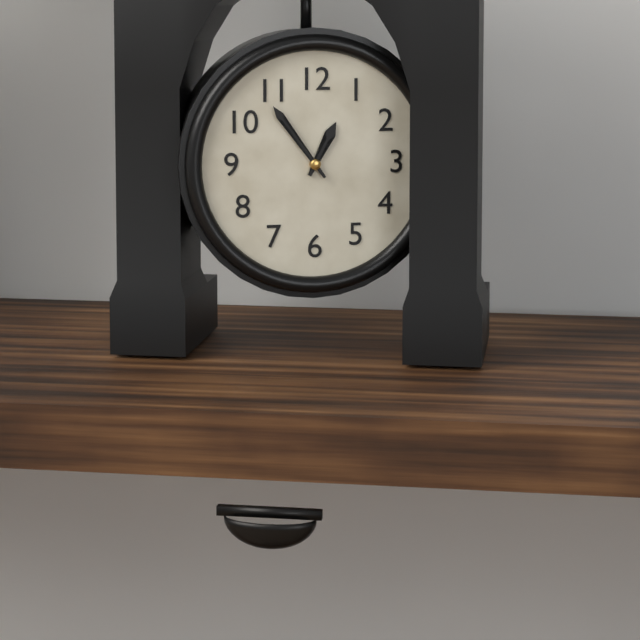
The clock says {"hour": 12, "minute": 54}
